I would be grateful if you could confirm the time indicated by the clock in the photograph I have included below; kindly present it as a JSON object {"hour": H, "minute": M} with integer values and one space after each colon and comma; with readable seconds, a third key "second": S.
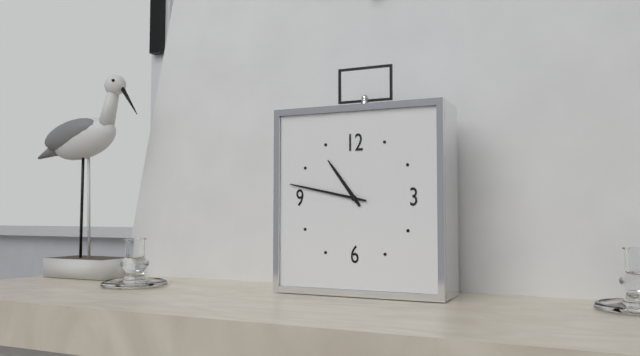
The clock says {"hour": 10, "minute": 47}
